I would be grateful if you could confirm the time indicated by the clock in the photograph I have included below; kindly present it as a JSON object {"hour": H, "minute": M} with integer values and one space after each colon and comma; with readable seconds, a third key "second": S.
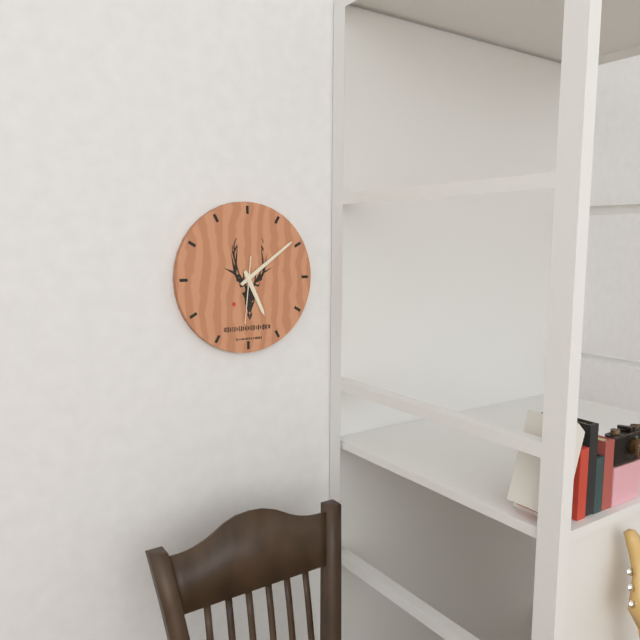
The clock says {"hour": 5, "minute": 9, "second": 31}
